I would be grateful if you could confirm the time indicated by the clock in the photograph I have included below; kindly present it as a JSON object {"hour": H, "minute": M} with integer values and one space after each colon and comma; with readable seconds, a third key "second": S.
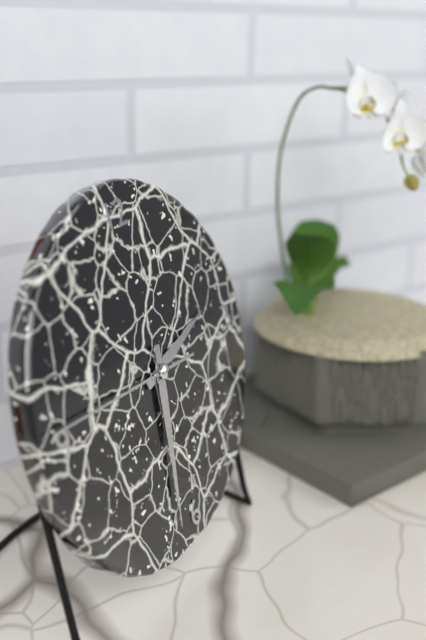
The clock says {"hour": 2, "minute": 32, "second": 46}
